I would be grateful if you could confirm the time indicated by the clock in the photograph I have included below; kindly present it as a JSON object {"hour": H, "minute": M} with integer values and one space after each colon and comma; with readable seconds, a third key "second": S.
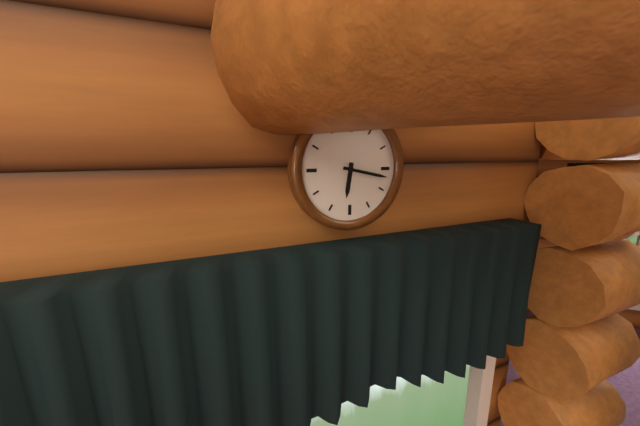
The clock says {"hour": 6, "minute": 17}
